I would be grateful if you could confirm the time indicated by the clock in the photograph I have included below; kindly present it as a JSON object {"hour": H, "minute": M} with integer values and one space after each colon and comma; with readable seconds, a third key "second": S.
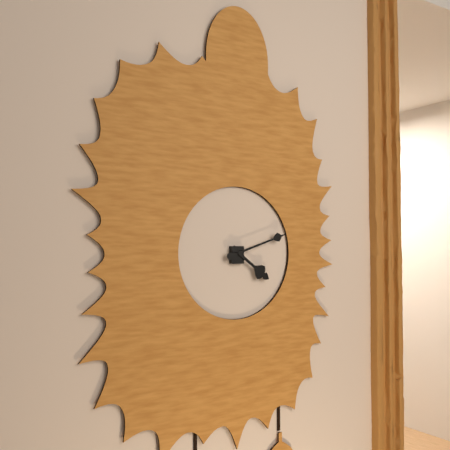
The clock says {"hour": 4, "minute": 12}
